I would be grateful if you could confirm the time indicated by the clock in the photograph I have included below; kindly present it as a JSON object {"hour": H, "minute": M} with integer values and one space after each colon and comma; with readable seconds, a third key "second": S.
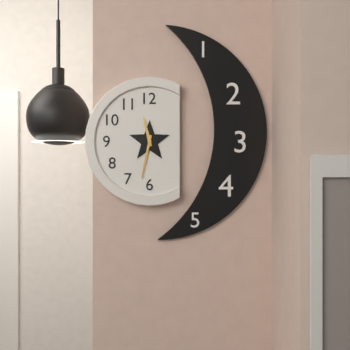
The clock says {"hour": 11, "minute": 32}
